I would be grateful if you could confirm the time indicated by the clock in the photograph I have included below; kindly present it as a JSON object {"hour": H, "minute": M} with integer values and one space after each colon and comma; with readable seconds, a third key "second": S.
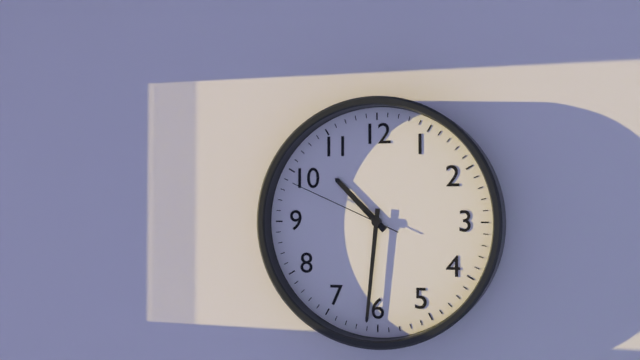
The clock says {"hour": 10, "minute": 31, "second": 49}
